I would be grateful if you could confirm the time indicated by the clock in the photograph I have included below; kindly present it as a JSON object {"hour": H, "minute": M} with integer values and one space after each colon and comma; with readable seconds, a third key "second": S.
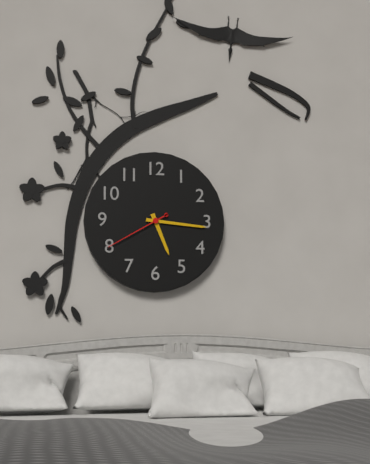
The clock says {"hour": 5, "minute": 16, "second": 40}
